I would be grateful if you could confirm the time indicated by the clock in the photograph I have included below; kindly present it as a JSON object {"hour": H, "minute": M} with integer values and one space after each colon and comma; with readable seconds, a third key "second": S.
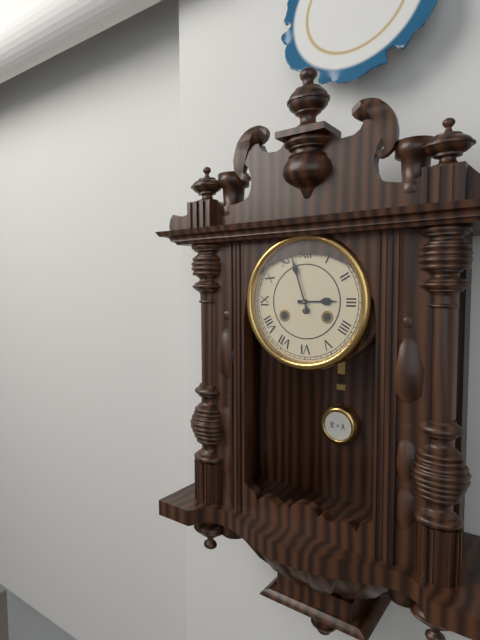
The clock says {"hour": 2, "minute": 57}
